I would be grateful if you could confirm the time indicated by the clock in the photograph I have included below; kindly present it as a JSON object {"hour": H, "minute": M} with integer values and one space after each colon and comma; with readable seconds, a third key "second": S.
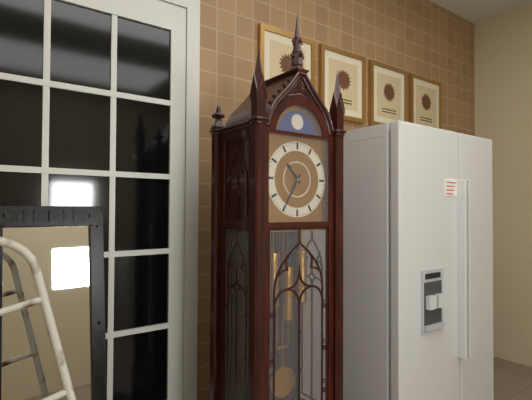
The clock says {"hour": 10, "minute": 35}
